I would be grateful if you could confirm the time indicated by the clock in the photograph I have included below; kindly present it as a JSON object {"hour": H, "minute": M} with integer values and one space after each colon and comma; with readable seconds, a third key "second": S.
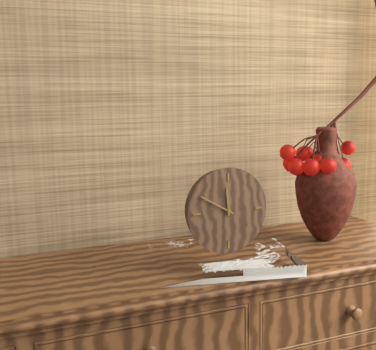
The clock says {"hour": 11, "minute": 50}
